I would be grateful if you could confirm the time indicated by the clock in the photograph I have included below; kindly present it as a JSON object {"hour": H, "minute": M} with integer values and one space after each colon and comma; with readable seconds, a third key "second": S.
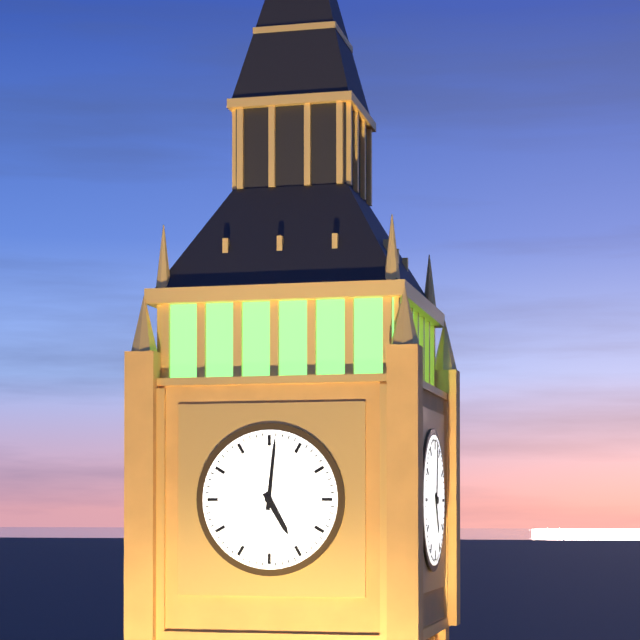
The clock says {"hour": 5, "minute": 1}
